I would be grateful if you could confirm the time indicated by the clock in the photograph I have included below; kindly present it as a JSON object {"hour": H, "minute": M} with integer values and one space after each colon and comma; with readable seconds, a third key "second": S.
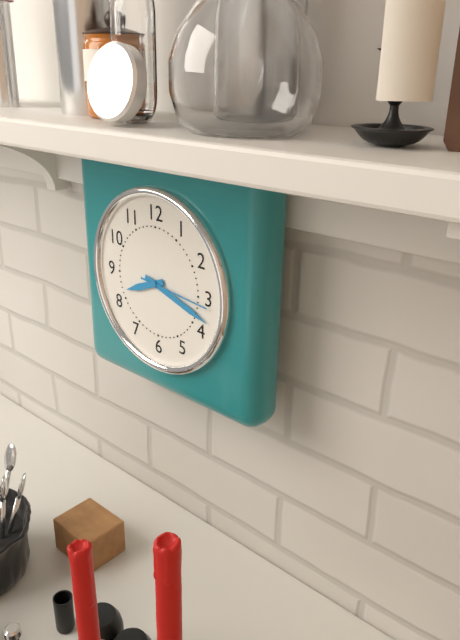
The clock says {"hour": 8, "minute": 18}
